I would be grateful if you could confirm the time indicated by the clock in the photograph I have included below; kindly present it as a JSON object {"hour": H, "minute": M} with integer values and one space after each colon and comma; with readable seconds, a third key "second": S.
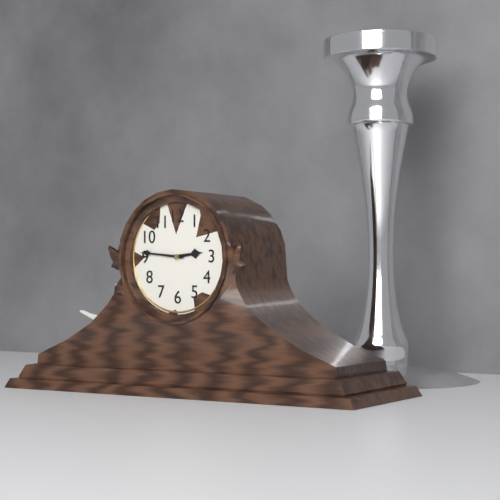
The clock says {"hour": 2, "minute": 46}
